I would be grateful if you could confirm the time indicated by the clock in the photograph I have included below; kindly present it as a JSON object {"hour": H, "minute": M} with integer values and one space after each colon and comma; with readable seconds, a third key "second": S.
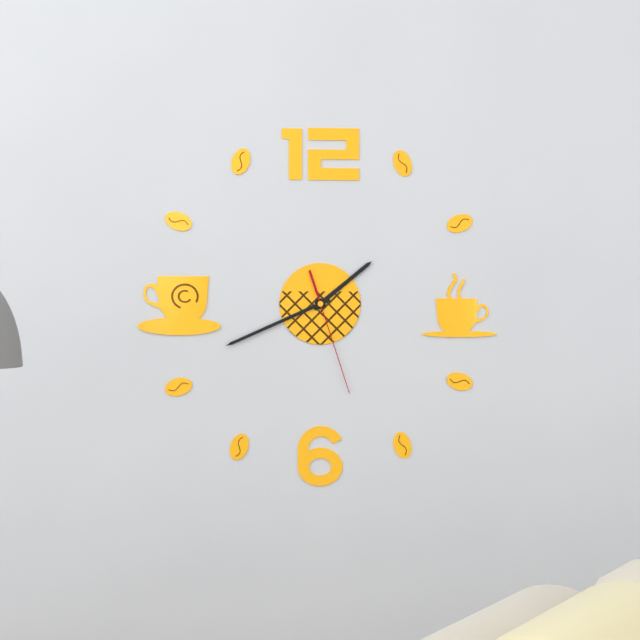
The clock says {"hour": 1, "minute": 41, "second": 27}
